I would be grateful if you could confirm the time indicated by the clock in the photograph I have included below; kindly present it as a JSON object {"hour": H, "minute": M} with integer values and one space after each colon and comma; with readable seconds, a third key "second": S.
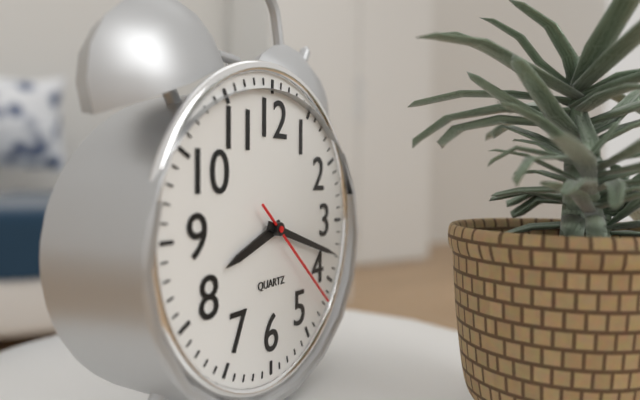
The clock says {"hour": 8, "minute": 18, "second": 22}
